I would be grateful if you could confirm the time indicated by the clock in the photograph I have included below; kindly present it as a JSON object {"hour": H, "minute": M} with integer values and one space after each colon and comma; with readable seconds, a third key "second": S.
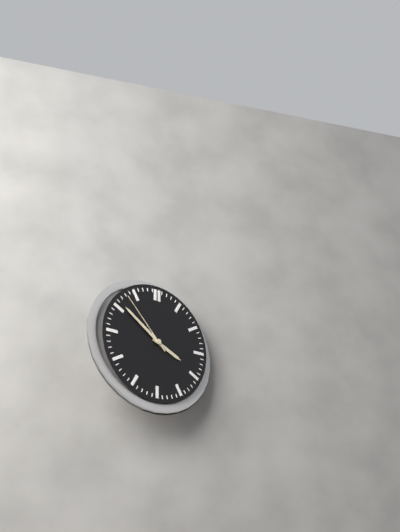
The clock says {"hour": 3, "minute": 51, "second": 53}
